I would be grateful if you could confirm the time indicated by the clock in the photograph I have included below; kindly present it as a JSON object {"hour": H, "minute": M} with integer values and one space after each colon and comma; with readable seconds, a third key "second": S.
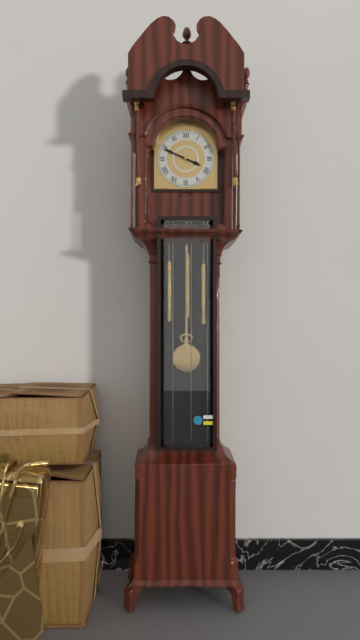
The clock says {"hour": 3, "minute": 49}
